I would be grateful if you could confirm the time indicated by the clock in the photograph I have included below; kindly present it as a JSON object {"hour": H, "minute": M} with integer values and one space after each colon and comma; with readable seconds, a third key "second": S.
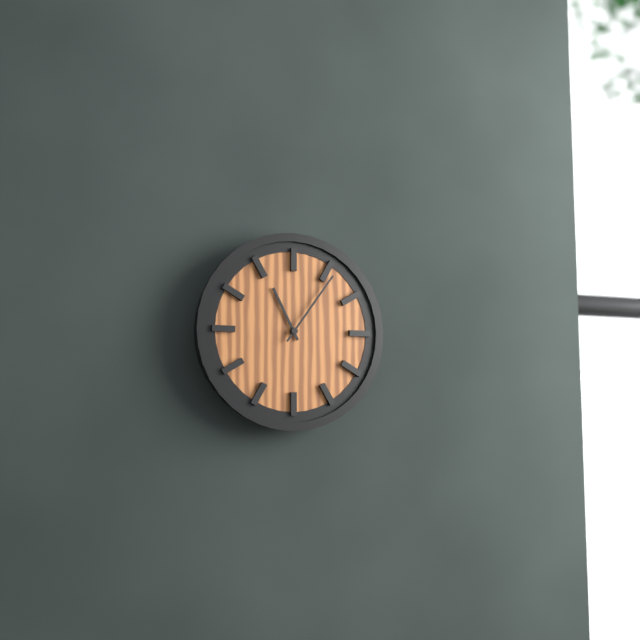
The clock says {"hour": 11, "minute": 6}
